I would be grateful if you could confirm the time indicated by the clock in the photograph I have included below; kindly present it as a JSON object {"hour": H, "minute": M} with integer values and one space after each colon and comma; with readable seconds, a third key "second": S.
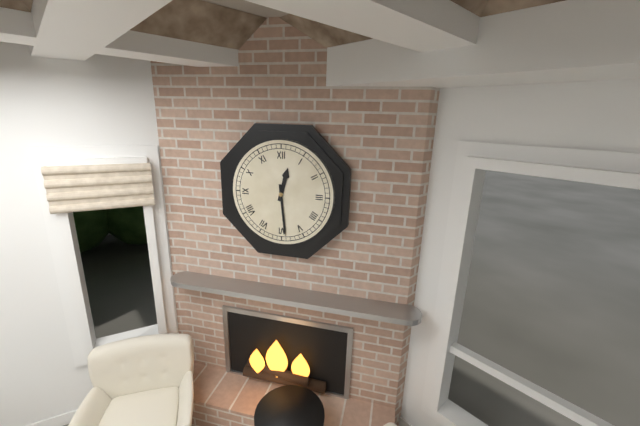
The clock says {"hour": 12, "minute": 29}
